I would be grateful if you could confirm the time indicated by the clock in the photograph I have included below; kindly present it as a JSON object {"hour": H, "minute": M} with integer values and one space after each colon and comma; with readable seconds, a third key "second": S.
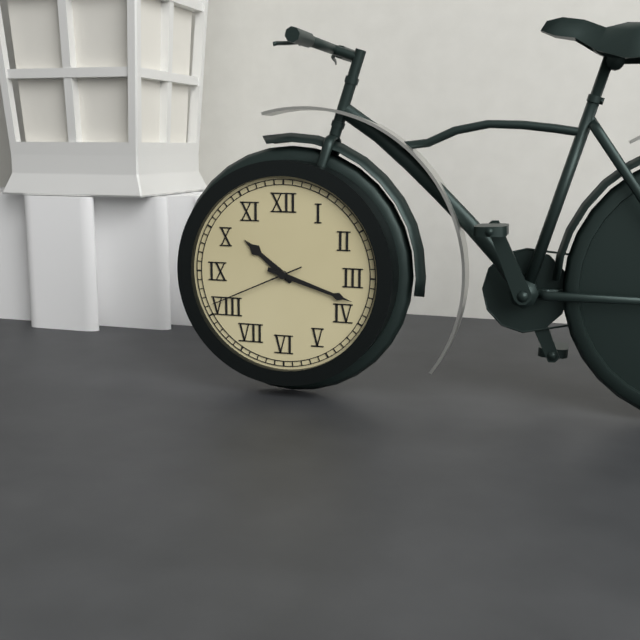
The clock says {"hour": 10, "minute": 18, "second": 41}
